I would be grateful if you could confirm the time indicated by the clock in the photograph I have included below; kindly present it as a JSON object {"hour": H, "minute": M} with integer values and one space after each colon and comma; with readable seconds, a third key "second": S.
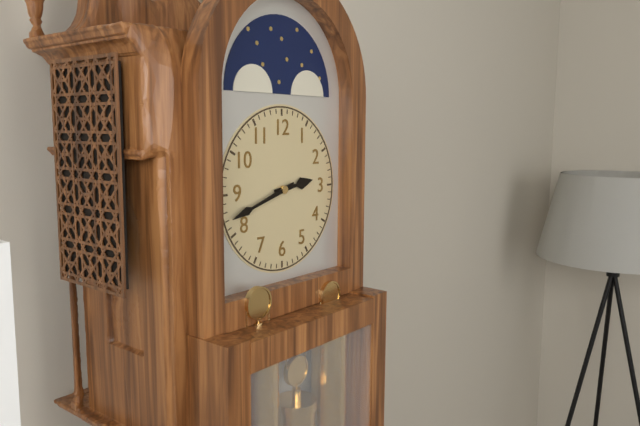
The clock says {"hour": 2, "minute": 42}
